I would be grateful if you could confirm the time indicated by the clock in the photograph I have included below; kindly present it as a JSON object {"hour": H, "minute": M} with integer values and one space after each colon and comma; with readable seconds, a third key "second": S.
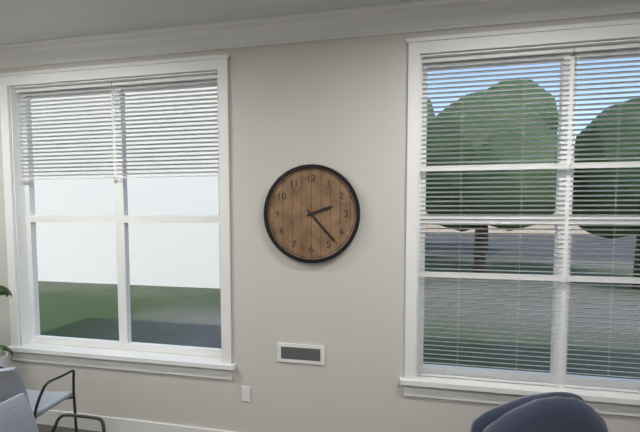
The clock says {"hour": 2, "minute": 23}
